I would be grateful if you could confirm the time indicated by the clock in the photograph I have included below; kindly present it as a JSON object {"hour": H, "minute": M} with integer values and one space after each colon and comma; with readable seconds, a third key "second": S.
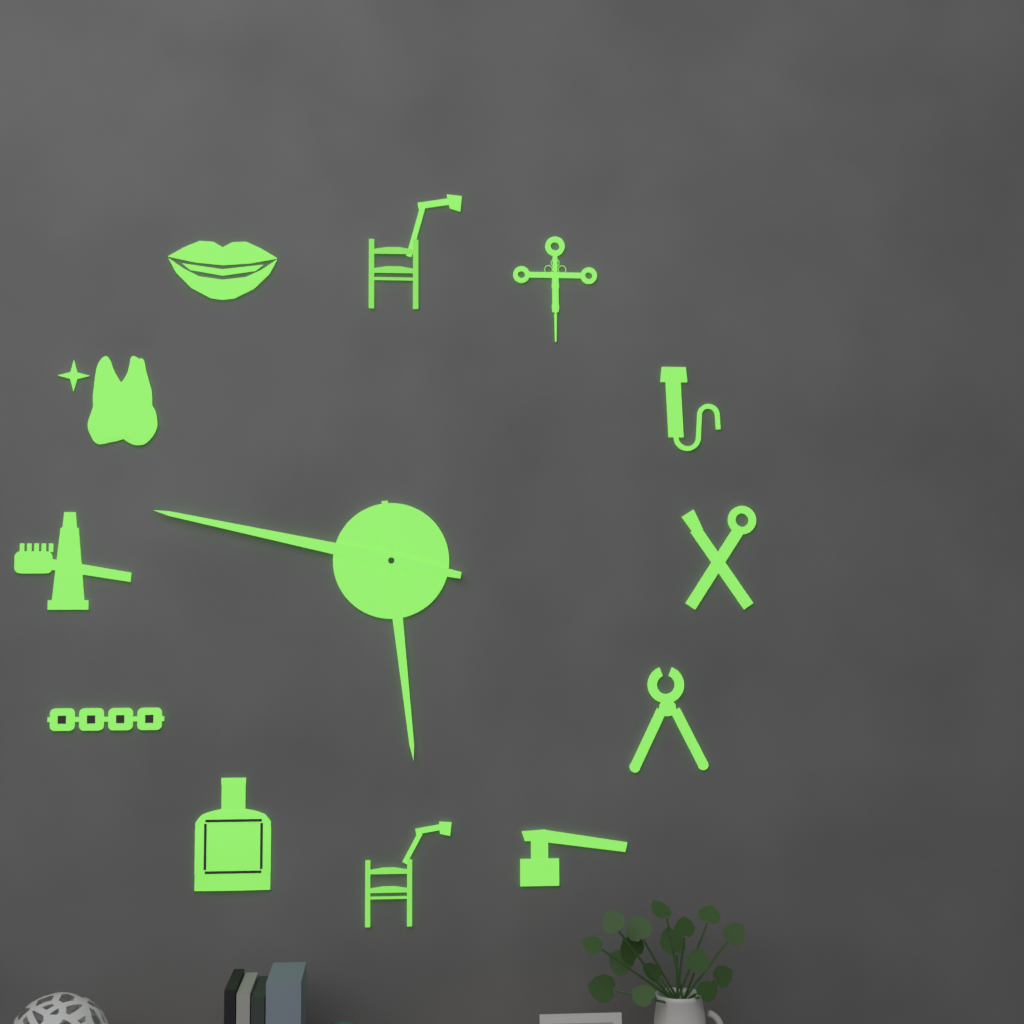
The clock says {"hour": 5, "minute": 47}
